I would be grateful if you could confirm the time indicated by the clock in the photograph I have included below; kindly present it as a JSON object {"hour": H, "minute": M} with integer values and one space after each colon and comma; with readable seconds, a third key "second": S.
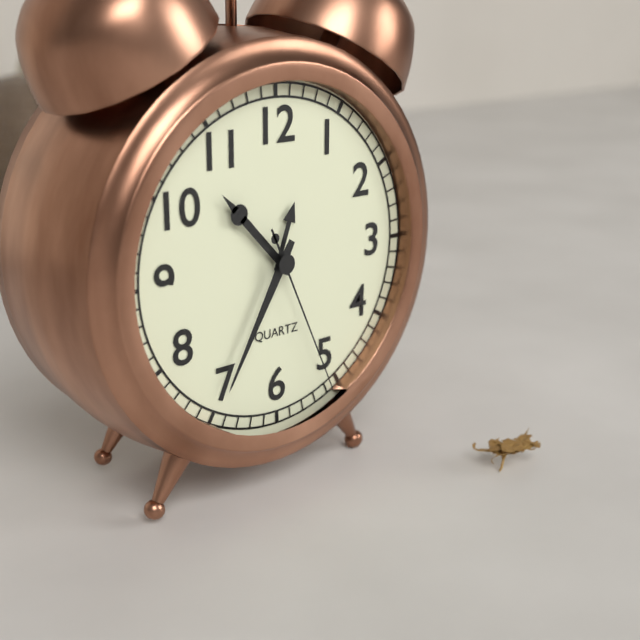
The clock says {"hour": 10, "minute": 35, "second": 26}
